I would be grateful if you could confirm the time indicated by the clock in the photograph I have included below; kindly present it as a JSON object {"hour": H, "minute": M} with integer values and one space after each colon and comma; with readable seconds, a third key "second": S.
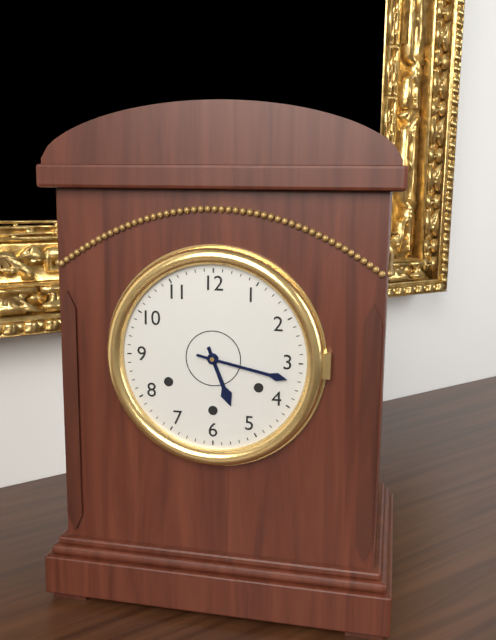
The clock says {"hour": 5, "minute": 17}
